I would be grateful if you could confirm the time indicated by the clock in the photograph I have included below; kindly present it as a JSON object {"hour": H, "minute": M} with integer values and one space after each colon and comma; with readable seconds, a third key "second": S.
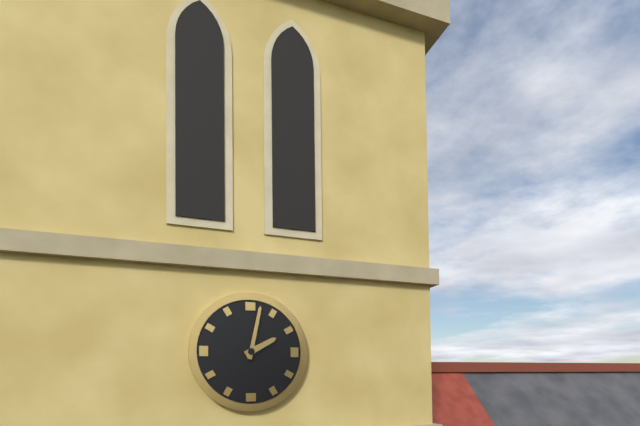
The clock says {"hour": 2, "minute": 2}
